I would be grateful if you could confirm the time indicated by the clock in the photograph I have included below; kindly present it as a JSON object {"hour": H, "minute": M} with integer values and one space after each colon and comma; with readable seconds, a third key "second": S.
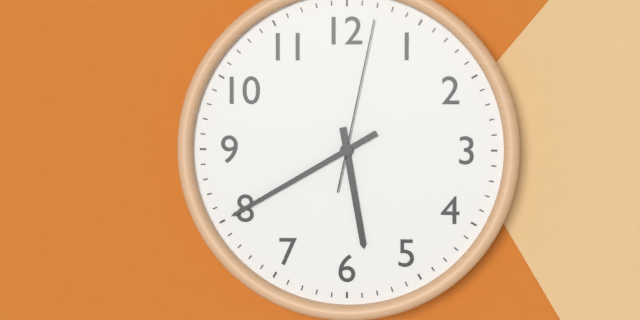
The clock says {"hour": 5, "minute": 40, "second": 2}
